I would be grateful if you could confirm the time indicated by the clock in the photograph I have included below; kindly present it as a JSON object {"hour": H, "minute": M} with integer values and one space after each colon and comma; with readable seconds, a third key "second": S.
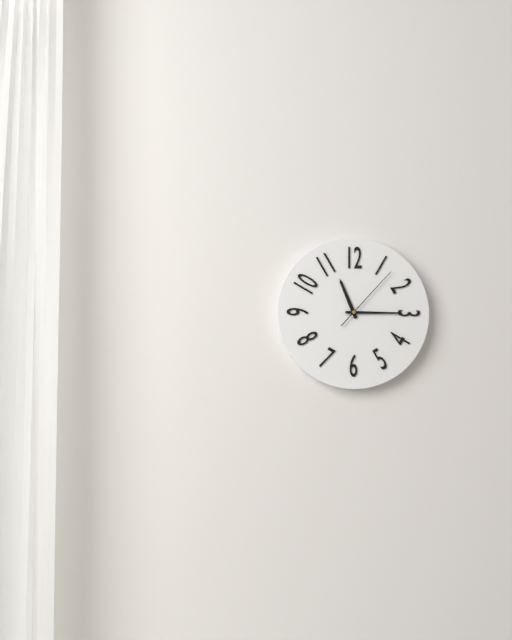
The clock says {"hour": 11, "minute": 15, "second": 7}
